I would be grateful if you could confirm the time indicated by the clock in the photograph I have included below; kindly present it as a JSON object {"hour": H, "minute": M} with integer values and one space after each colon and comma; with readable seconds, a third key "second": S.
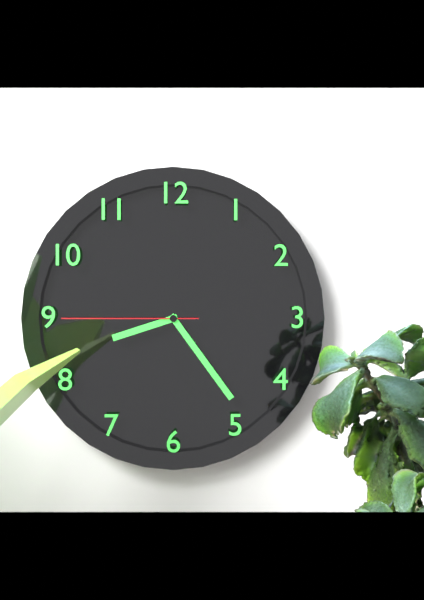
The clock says {"hour": 8, "minute": 24, "second": 45}
